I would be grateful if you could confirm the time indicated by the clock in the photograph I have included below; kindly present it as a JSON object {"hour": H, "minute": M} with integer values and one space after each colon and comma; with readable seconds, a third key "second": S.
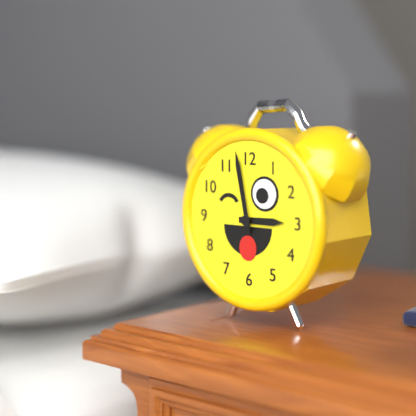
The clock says {"hour": 2, "minute": 58}
